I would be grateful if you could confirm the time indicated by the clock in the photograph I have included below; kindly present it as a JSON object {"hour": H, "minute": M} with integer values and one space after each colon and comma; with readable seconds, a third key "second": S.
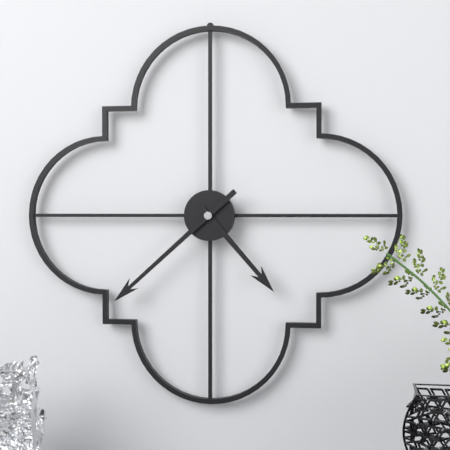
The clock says {"hour": 4, "minute": 38}
